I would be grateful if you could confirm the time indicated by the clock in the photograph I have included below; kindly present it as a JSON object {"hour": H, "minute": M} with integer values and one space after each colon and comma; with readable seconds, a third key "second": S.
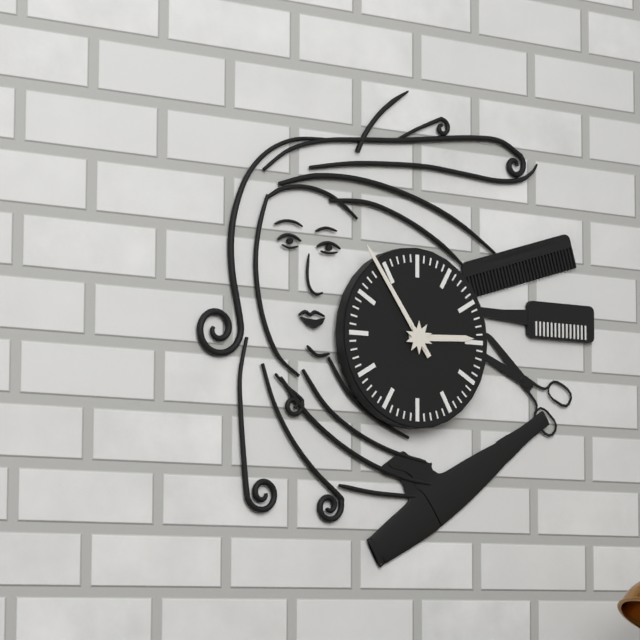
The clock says {"hour": 2, "minute": 54}
